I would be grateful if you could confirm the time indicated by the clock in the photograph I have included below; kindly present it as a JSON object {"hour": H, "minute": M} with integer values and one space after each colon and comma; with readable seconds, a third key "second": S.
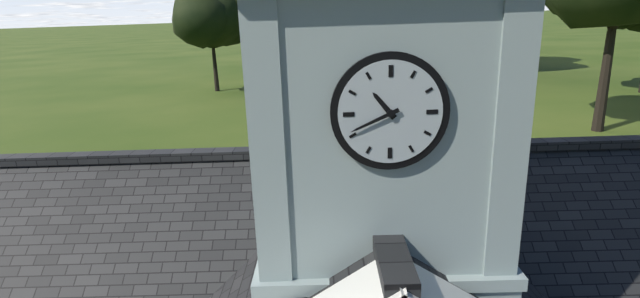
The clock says {"hour": 10, "minute": 41}
